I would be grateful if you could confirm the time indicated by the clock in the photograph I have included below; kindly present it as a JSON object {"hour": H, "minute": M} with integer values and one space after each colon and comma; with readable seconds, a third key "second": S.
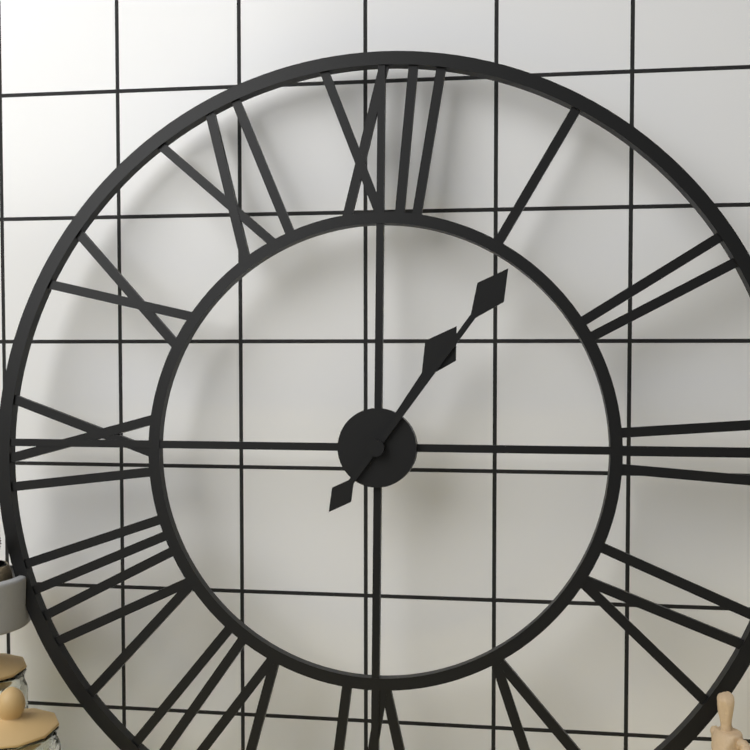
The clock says {"hour": 1, "minute": 6}
